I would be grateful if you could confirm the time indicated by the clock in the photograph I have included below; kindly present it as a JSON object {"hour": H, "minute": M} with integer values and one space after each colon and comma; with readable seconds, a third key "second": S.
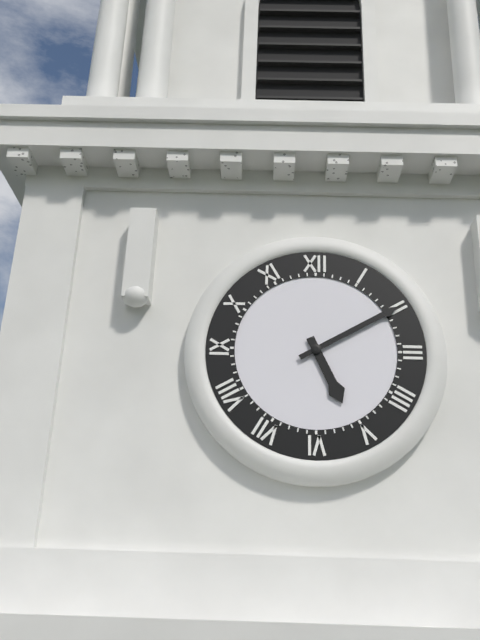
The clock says {"hour": 5, "minute": 10}
